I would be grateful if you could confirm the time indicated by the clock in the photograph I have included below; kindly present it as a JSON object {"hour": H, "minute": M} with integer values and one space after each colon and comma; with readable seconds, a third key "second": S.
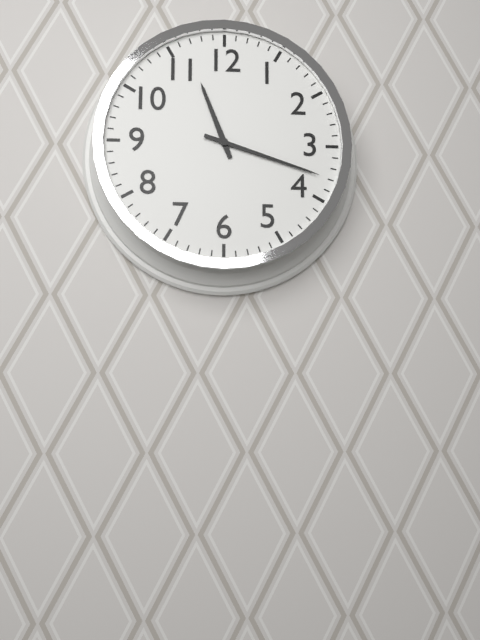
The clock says {"hour": 11, "minute": 18}
